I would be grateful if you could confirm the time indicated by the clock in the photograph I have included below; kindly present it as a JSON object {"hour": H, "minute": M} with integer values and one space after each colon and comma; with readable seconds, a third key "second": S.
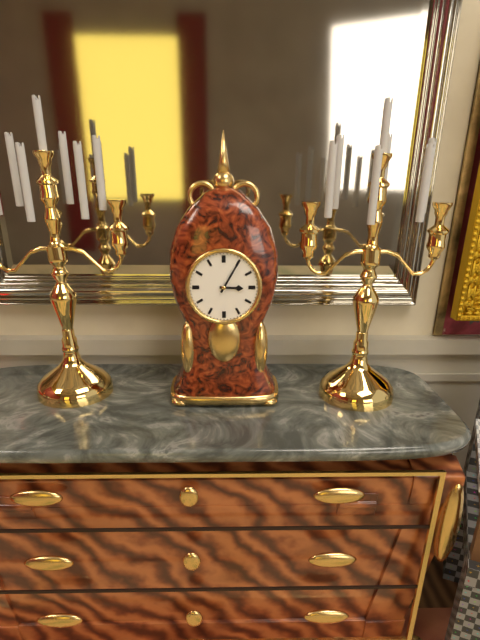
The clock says {"hour": 3, "minute": 5}
